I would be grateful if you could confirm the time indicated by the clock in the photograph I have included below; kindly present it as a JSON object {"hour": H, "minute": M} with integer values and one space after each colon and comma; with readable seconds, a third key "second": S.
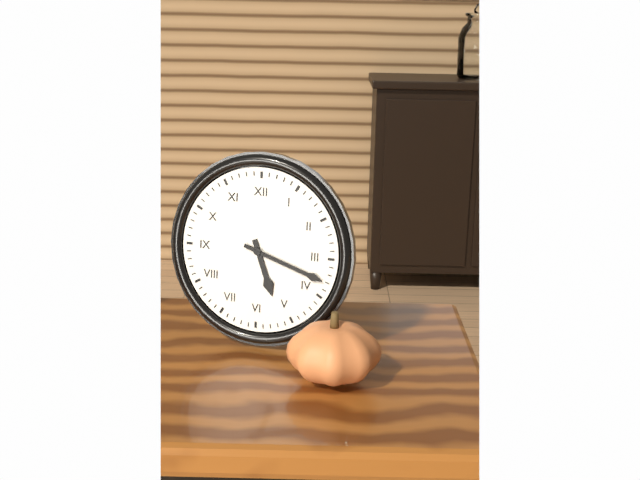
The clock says {"hour": 5, "minute": 18}
